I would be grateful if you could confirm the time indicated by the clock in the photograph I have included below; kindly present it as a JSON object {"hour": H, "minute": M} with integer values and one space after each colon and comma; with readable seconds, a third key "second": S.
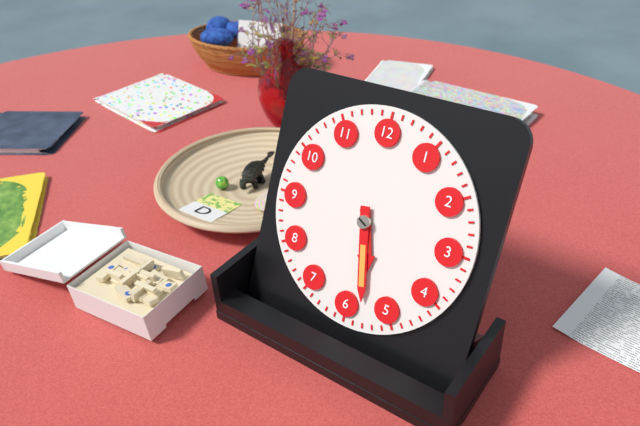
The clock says {"hour": 5, "minute": 28}
